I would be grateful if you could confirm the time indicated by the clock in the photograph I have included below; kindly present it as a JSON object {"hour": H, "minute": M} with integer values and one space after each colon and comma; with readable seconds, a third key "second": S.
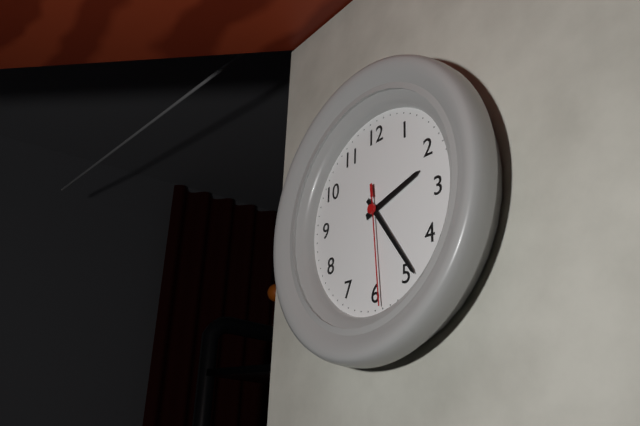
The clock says {"hour": 2, "minute": 24, "second": 29}
